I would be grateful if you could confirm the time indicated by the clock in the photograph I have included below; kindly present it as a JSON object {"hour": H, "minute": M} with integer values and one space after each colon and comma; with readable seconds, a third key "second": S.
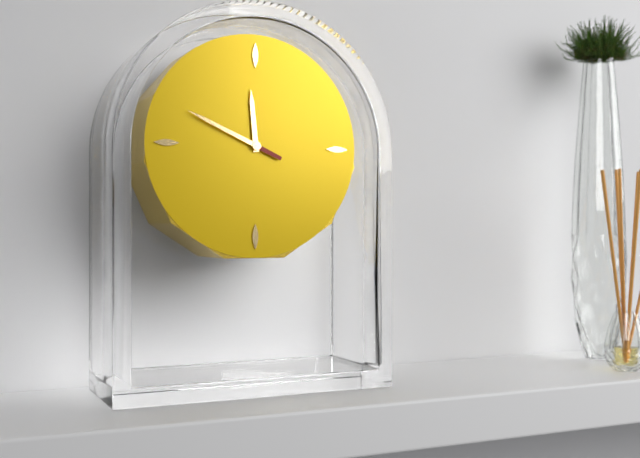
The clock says {"hour": 11, "minute": 49}
